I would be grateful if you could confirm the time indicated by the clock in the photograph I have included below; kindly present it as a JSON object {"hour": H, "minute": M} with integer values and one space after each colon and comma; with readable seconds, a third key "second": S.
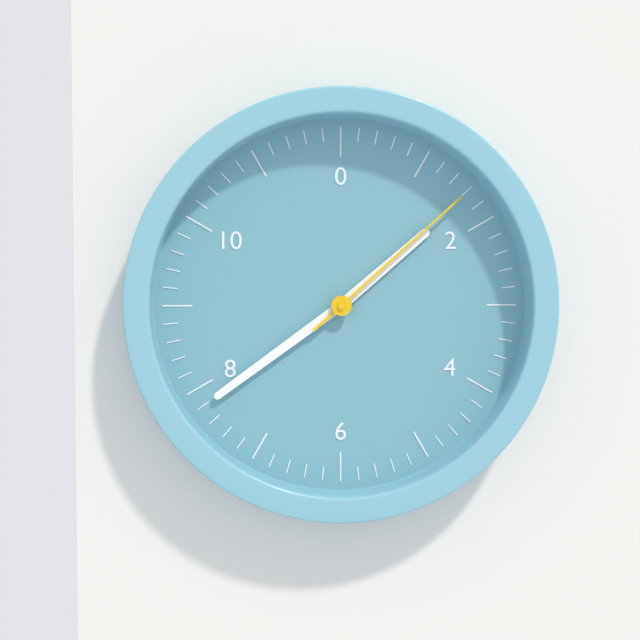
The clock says {"hour": 1, "minute": 39, "second": 8}
